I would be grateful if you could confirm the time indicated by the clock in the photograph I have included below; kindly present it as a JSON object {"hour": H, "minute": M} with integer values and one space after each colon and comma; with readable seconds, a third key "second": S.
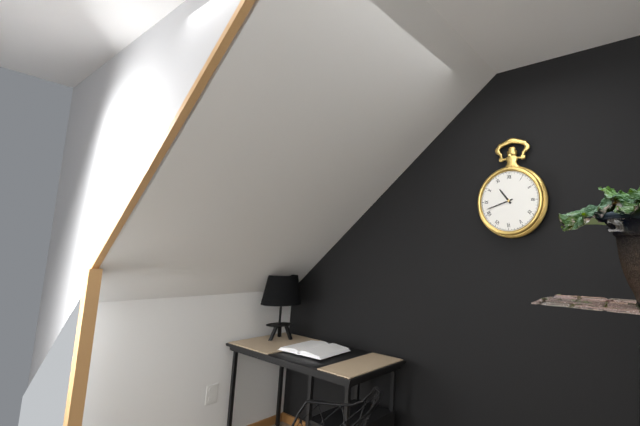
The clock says {"hour": 10, "minute": 42}
